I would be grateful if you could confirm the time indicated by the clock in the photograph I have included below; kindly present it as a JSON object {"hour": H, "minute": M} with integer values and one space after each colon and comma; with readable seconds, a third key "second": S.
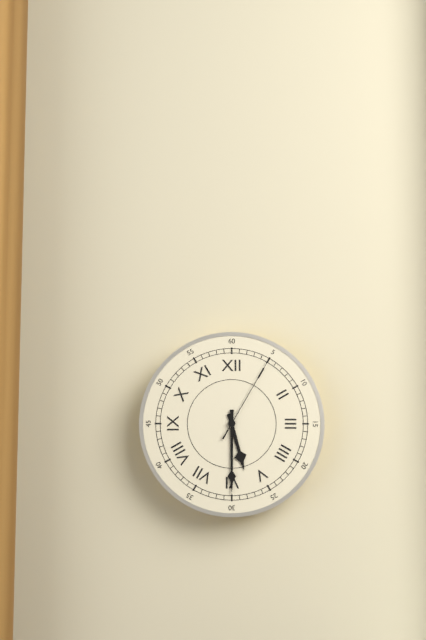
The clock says {"hour": 5, "minute": 30, "second": 5}
